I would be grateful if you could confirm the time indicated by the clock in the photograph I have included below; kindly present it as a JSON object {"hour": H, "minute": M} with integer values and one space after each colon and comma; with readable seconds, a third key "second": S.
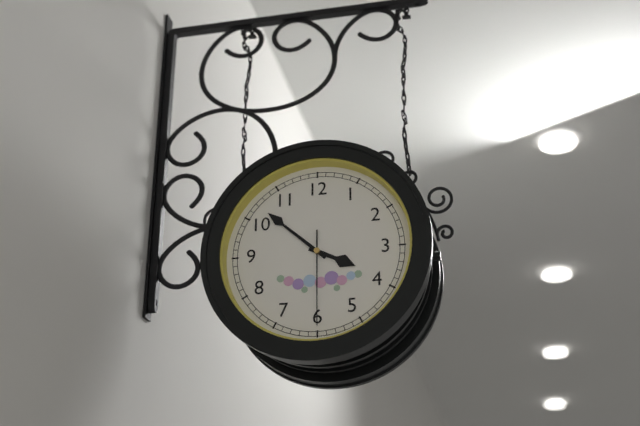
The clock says {"hour": 3, "minute": 52, "second": 30}
